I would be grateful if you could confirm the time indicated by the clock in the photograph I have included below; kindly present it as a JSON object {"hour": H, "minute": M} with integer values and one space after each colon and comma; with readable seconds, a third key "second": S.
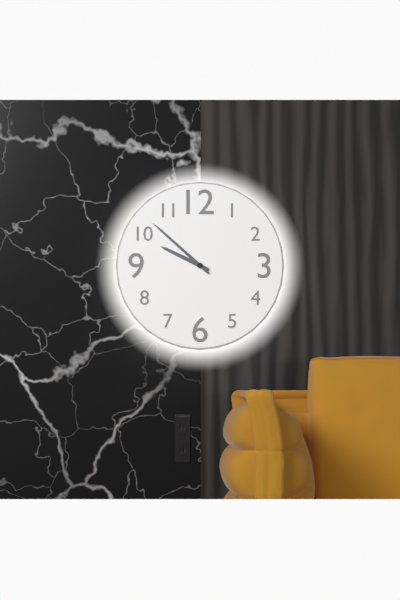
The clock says {"hour": 9, "minute": 52}
